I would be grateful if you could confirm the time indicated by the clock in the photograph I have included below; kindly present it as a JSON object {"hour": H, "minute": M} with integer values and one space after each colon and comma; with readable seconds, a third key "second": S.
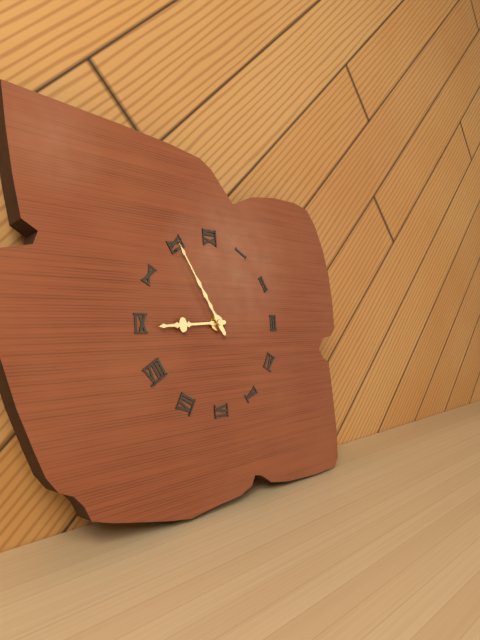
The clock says {"hour": 8, "minute": 55}
